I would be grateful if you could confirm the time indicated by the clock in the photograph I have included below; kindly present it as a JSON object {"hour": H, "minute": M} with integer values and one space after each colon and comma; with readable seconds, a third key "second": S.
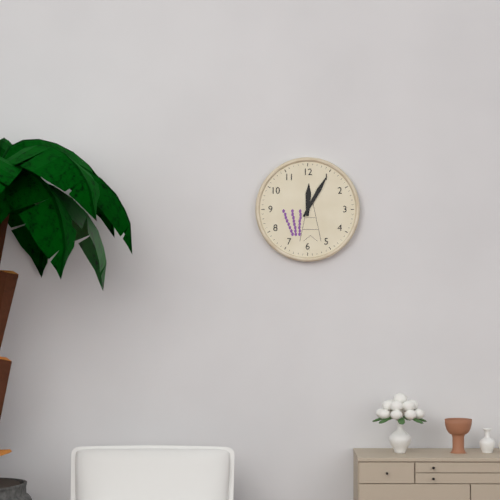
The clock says {"hour": 12, "minute": 5}
